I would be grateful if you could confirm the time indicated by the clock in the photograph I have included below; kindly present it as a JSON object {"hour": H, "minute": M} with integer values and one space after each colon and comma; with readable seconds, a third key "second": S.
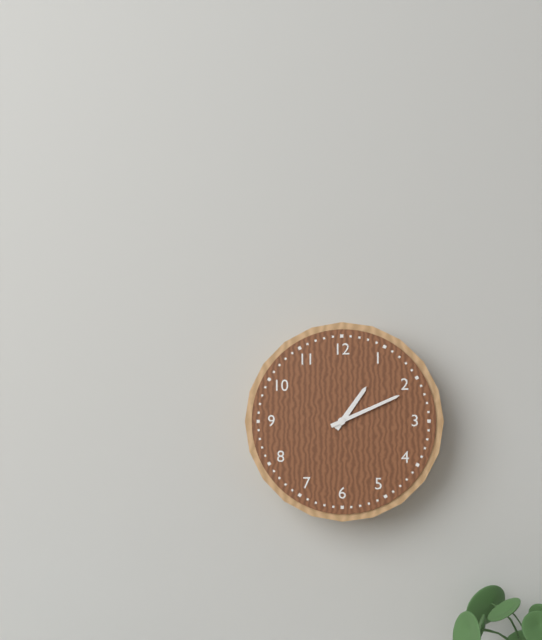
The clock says {"hour": 1, "minute": 11}
